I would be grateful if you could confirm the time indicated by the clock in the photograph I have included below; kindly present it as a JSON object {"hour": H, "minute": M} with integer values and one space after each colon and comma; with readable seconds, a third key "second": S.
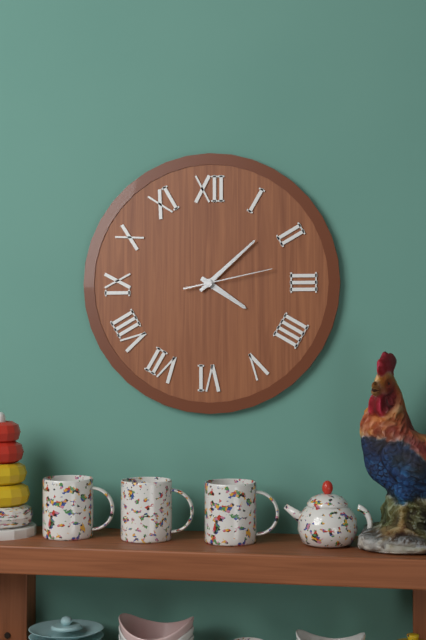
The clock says {"hour": 4, "minute": 8, "second": 13}
